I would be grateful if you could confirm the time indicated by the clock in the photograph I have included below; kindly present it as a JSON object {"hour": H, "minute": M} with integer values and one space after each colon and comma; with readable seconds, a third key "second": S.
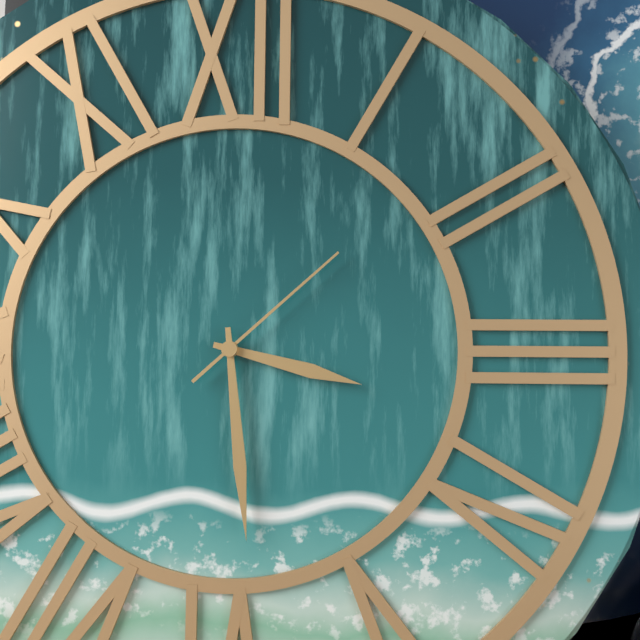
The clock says {"hour": 3, "minute": 29, "second": 8}
